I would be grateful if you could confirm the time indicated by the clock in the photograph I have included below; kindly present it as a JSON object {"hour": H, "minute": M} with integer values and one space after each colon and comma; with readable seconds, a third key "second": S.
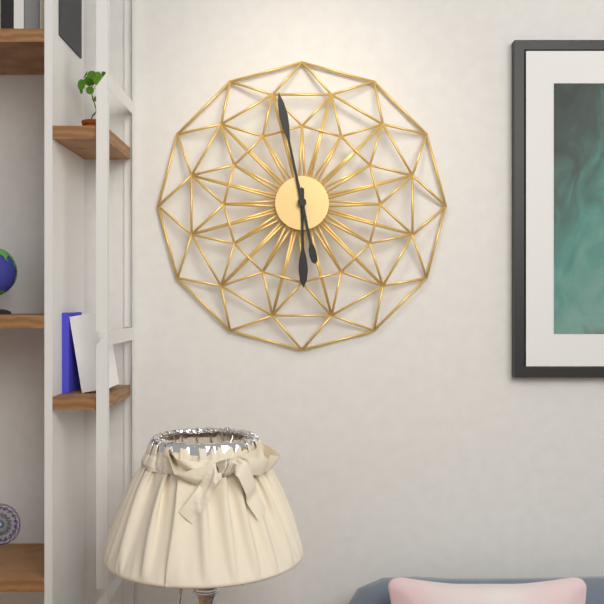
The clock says {"hour": 5, "minute": 58}
